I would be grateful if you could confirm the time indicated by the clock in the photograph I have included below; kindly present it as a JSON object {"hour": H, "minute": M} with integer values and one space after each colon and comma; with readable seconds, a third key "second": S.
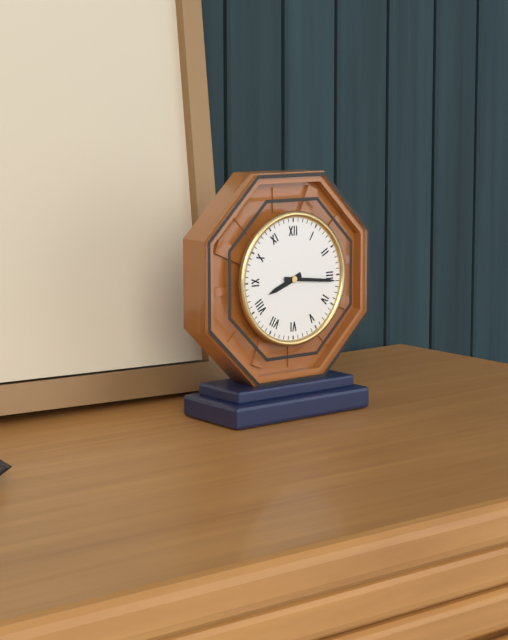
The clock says {"hour": 8, "minute": 16}
